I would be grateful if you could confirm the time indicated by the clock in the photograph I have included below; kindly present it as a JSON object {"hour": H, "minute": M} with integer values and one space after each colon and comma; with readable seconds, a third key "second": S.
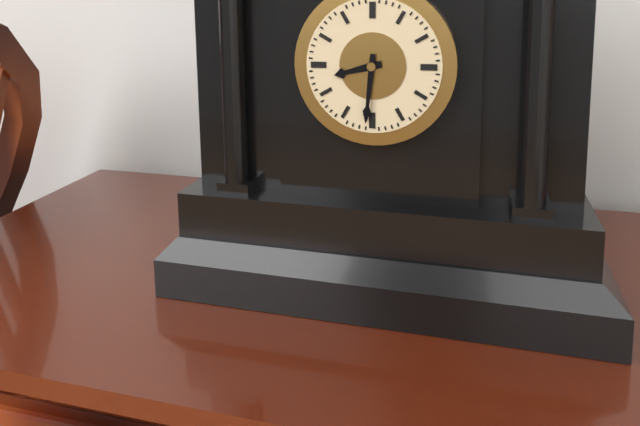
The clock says {"hour": 8, "minute": 31}
